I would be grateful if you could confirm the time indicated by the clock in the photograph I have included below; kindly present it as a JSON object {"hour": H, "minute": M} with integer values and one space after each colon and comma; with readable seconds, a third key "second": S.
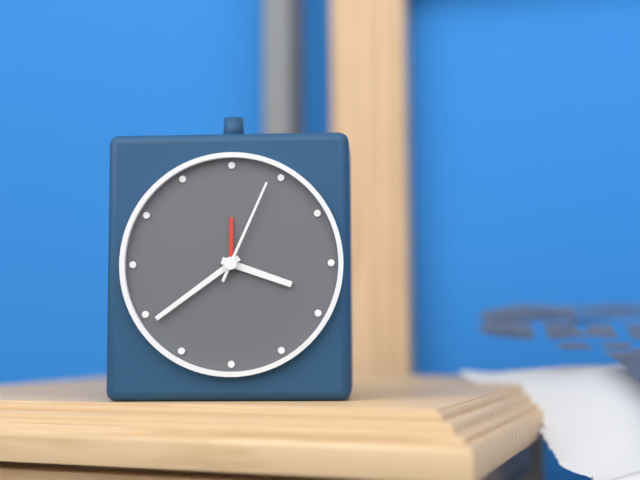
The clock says {"hour": 3, "minute": 39, "second": 4}
